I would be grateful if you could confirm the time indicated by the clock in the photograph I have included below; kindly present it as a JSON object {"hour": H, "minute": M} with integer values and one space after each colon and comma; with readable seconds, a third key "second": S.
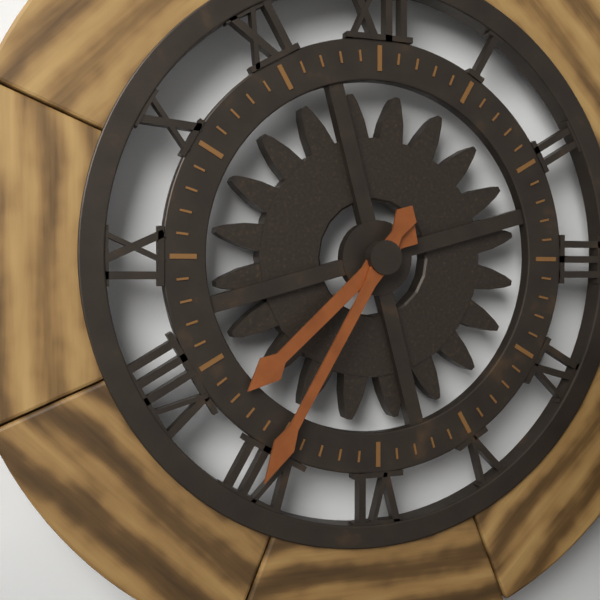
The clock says {"hour": 7, "minute": 35}
